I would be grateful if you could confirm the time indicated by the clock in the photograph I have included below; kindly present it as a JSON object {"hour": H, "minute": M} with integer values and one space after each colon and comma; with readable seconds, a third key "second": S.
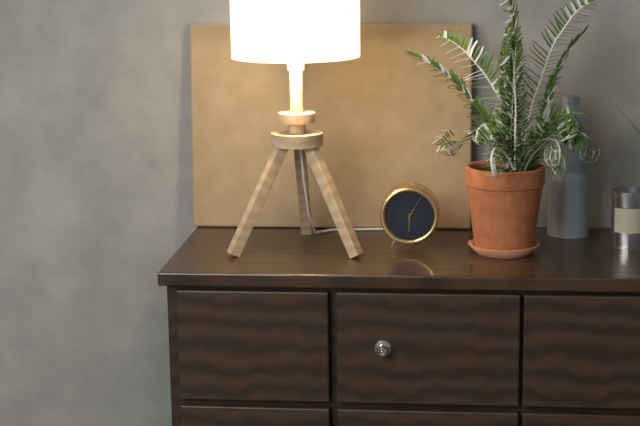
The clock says {"hour": 6, "minute": 5}
